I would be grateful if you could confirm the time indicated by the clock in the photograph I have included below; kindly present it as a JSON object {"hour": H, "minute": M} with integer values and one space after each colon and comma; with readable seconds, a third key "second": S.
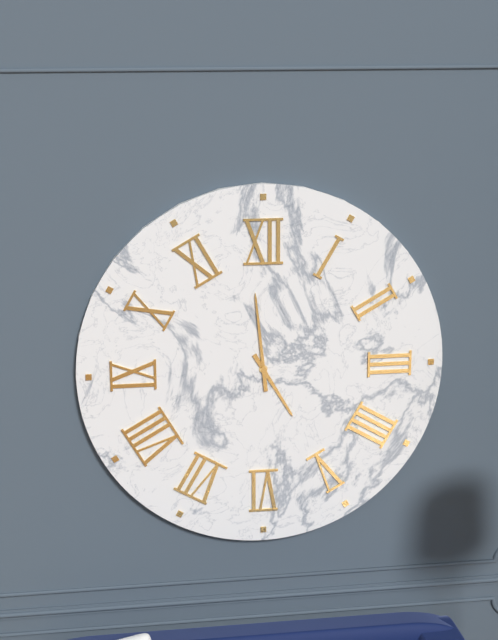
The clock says {"hour": 4, "minute": 59}
